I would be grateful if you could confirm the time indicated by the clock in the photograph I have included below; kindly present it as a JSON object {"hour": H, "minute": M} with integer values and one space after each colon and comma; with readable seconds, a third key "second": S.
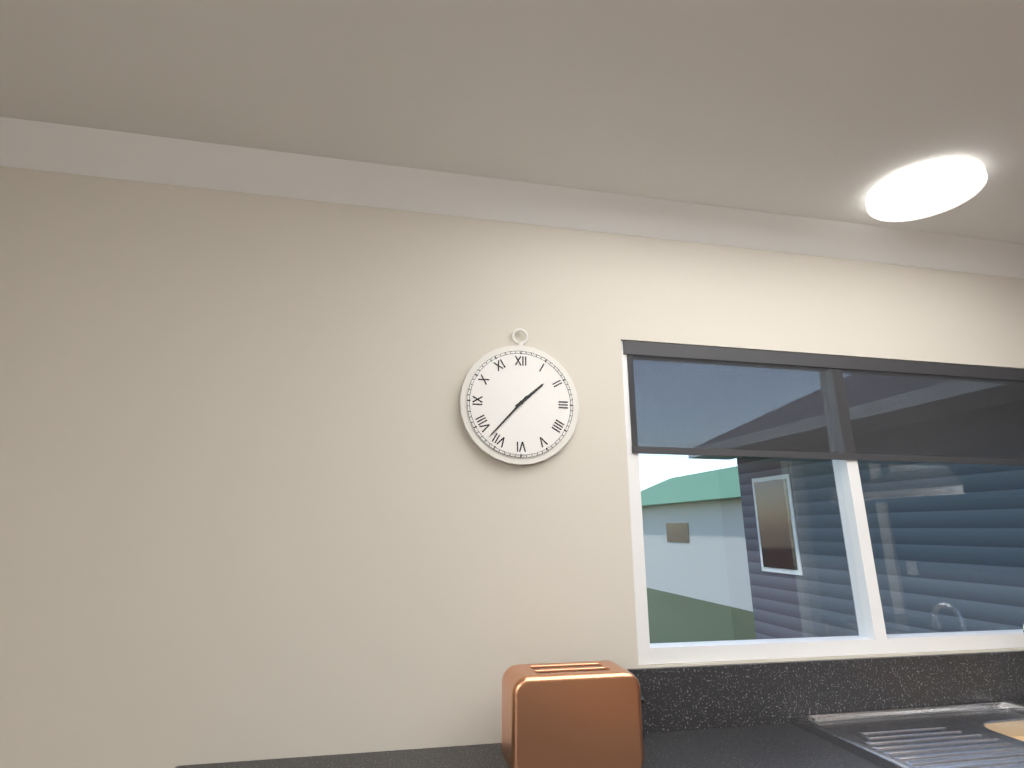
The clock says {"hour": 1, "minute": 37}
